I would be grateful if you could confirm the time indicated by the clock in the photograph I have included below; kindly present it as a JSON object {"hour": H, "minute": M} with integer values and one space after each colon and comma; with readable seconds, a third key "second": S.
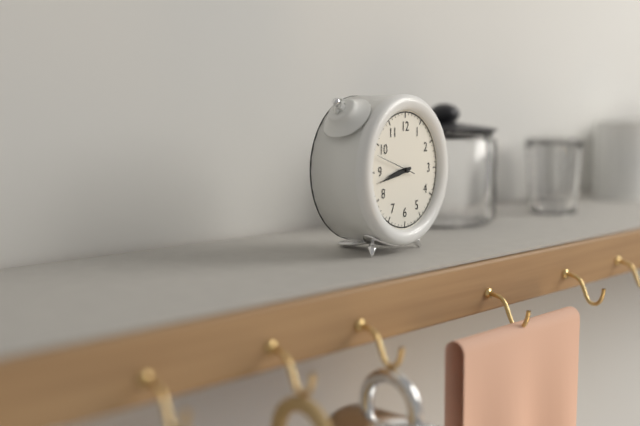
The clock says {"hour": 8, "minute": 43}
